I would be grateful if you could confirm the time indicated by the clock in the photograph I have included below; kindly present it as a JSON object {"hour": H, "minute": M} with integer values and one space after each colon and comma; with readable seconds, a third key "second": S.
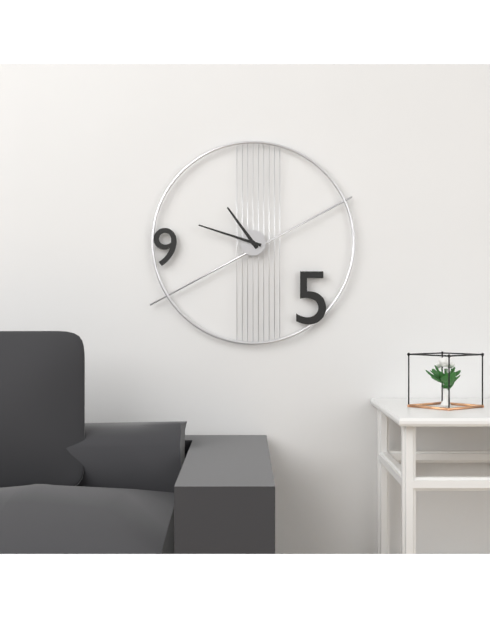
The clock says {"hour": 10, "minute": 48}
